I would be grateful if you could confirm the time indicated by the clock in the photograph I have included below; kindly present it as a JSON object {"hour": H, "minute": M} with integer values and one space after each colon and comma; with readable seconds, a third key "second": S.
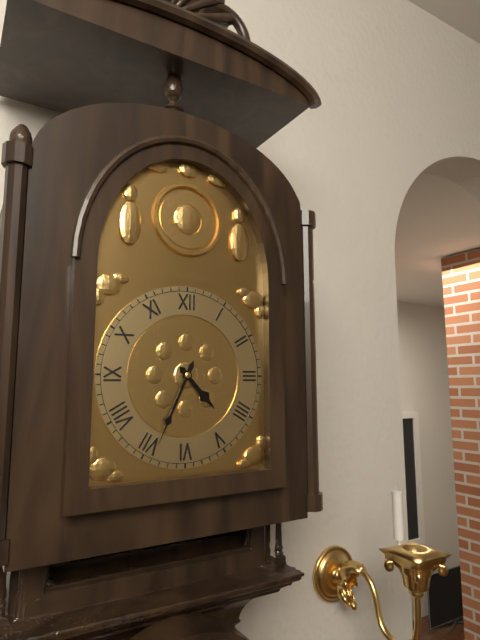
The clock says {"hour": 4, "minute": 34}
